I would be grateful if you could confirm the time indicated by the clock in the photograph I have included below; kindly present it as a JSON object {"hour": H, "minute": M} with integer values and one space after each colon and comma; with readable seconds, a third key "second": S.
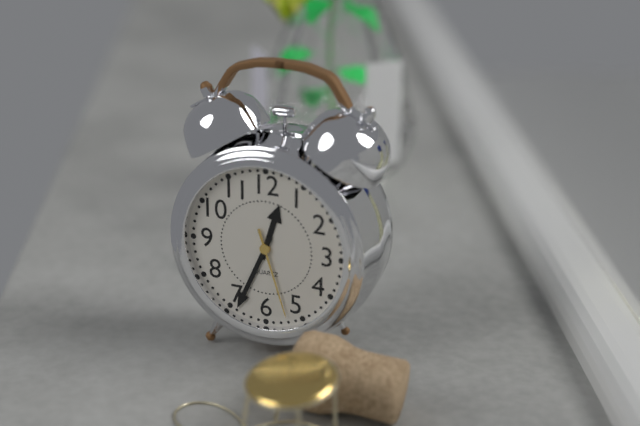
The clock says {"hour": 12, "minute": 34, "second": 27}
